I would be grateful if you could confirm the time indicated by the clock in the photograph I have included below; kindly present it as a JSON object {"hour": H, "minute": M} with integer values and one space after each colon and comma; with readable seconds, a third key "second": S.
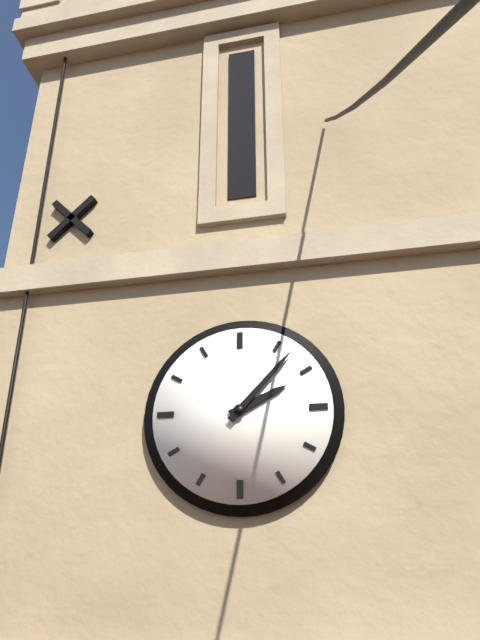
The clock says {"hour": 2, "minute": 7}
